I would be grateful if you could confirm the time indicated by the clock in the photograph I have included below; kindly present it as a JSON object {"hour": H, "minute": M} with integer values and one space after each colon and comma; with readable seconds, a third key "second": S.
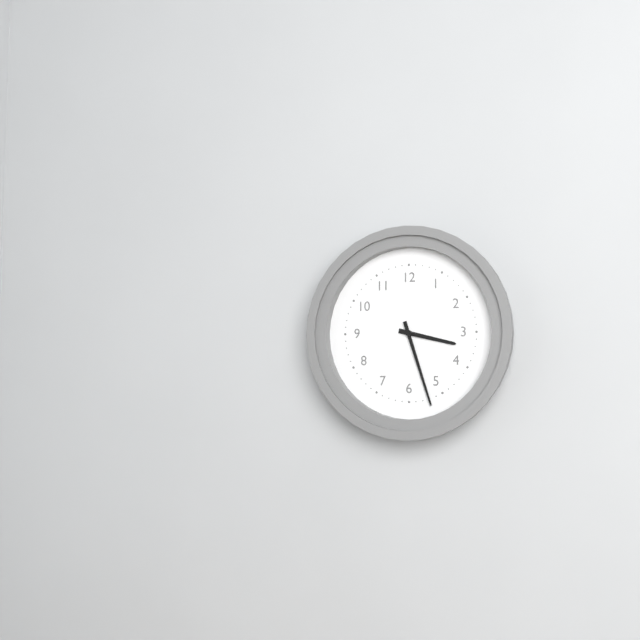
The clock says {"hour": 3, "minute": 27}
